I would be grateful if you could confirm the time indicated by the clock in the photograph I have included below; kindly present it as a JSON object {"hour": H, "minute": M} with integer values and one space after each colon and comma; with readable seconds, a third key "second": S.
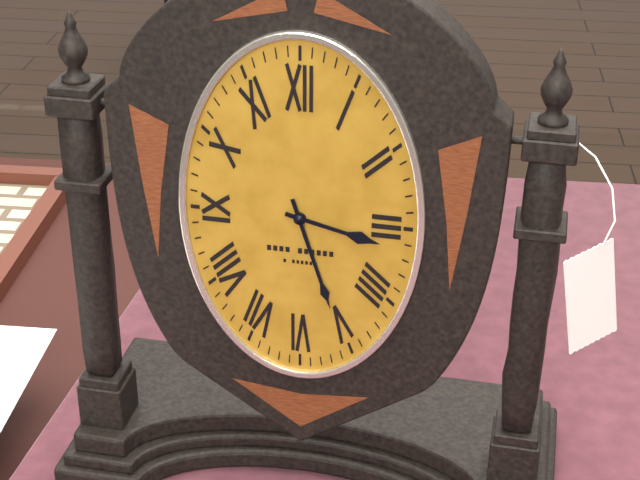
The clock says {"hour": 3, "minute": 27}
